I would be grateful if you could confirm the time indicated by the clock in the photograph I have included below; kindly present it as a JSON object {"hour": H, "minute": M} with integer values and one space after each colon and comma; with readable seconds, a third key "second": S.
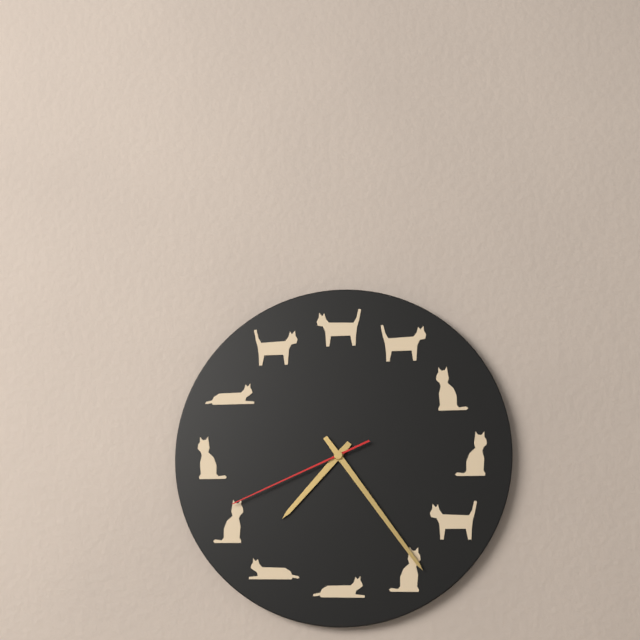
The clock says {"hour": 7, "minute": 24, "second": 41}
